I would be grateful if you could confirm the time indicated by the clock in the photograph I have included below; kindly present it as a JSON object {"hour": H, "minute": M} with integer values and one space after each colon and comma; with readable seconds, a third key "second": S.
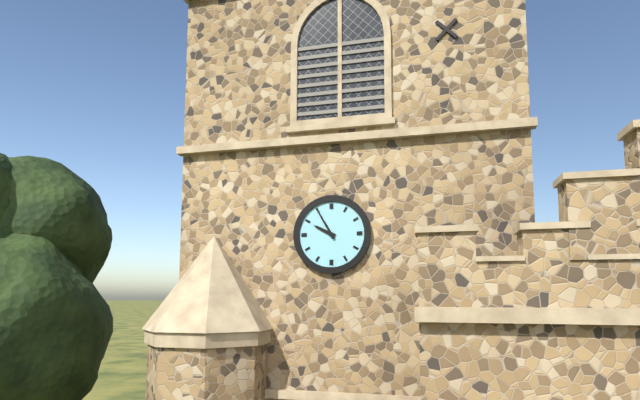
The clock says {"hour": 9, "minute": 55}
